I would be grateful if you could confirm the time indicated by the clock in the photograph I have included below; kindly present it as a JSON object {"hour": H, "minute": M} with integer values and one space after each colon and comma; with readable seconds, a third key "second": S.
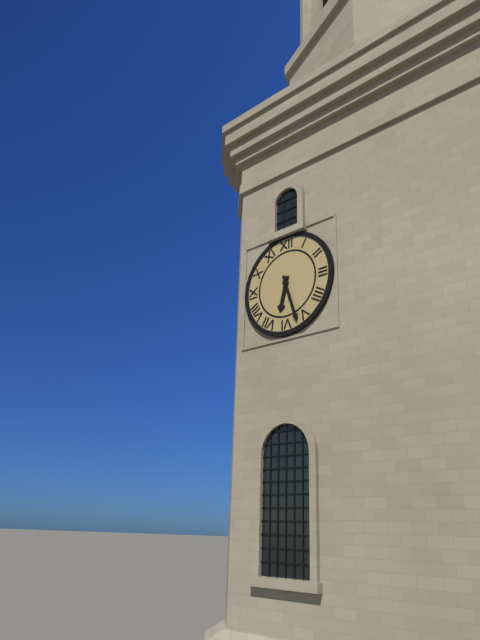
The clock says {"hour": 6, "minute": 27}
